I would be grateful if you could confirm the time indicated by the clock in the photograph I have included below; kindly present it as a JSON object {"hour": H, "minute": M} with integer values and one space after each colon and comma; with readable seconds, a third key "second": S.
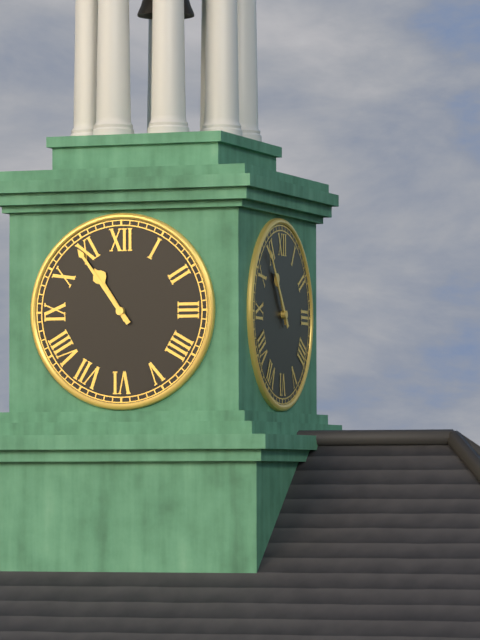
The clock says {"hour": 10, "minute": 54}
